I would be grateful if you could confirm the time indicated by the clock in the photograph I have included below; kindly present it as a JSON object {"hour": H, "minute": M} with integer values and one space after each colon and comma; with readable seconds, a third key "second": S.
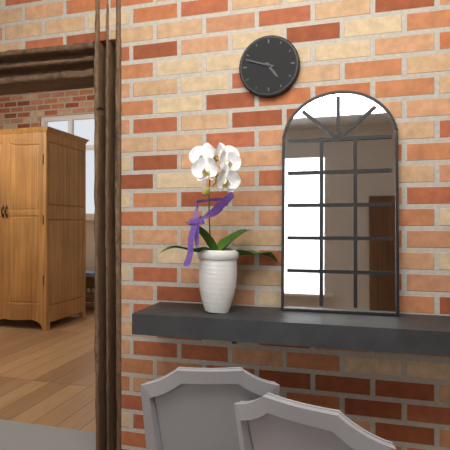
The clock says {"hour": 4, "minute": 48}
